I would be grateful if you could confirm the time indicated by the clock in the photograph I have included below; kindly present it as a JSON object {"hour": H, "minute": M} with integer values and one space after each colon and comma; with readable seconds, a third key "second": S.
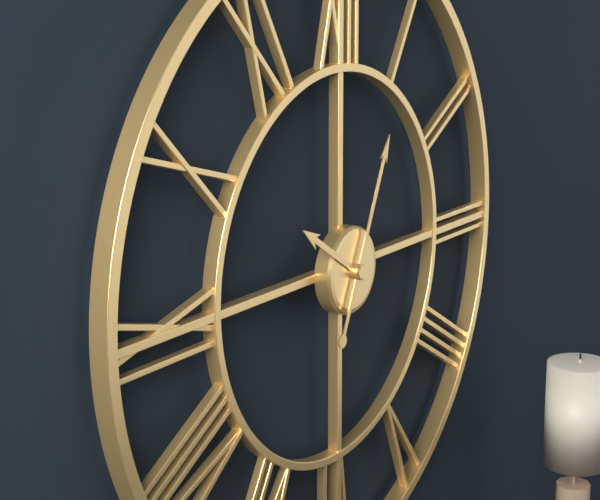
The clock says {"hour": 10, "minute": 4}
